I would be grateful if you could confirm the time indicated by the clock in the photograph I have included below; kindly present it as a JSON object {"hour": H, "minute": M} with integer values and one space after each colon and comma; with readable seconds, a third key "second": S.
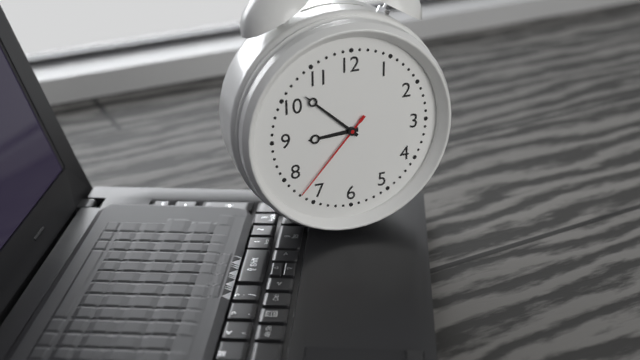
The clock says {"hour": 8, "minute": 52, "second": 37}
